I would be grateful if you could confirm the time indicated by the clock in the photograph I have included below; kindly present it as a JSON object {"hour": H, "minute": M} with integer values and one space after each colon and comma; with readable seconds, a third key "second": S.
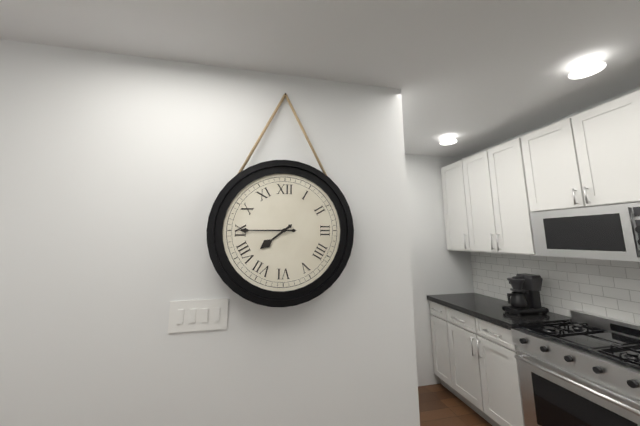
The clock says {"hour": 7, "minute": 45}
